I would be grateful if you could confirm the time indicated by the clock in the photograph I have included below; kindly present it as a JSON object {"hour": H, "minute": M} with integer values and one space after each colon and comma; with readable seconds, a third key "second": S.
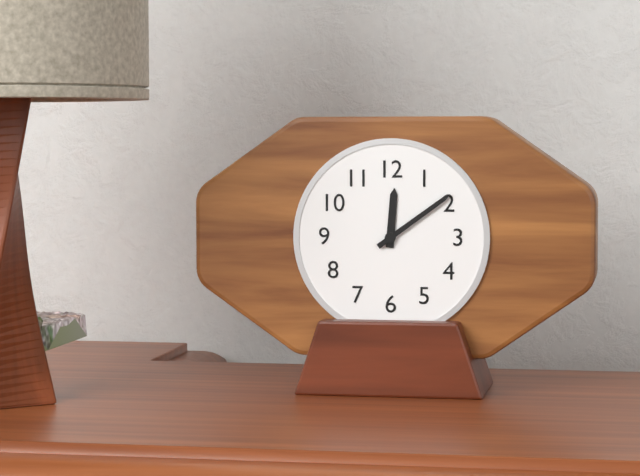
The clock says {"hour": 12, "minute": 9}
